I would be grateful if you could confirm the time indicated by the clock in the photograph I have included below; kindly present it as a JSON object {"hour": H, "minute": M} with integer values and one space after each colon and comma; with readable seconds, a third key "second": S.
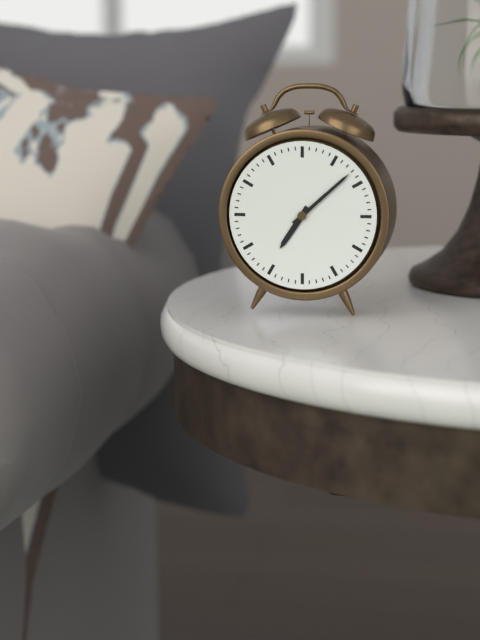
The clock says {"hour": 7, "minute": 8}
